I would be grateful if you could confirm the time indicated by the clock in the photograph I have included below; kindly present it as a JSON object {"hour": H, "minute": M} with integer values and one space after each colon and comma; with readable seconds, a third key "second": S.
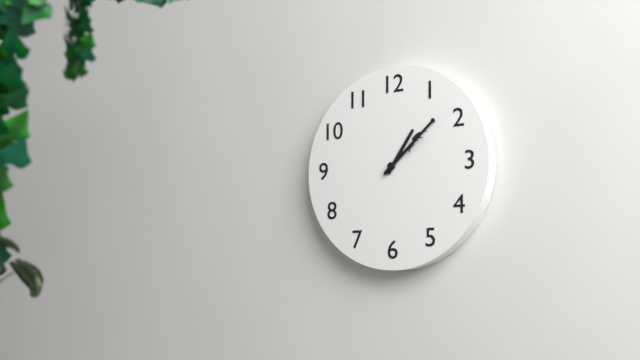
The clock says {"hour": 1, "minute": 8}
